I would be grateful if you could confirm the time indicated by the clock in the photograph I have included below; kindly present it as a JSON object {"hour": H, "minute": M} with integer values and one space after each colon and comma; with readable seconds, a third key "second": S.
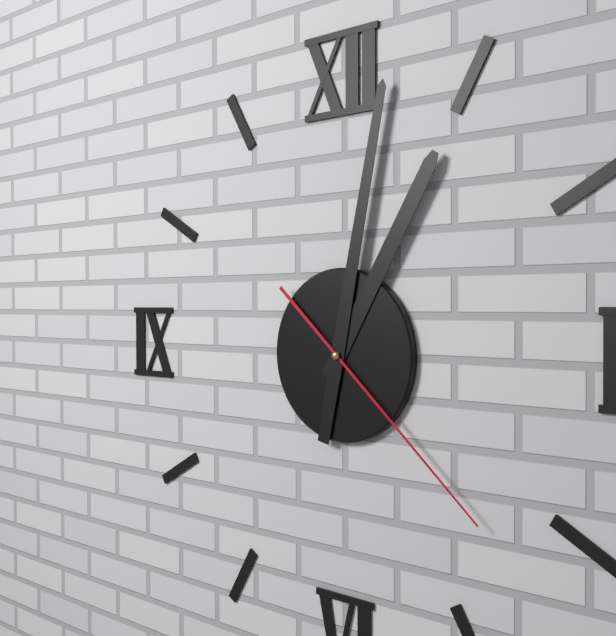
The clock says {"hour": 1, "minute": 2, "second": 22}
